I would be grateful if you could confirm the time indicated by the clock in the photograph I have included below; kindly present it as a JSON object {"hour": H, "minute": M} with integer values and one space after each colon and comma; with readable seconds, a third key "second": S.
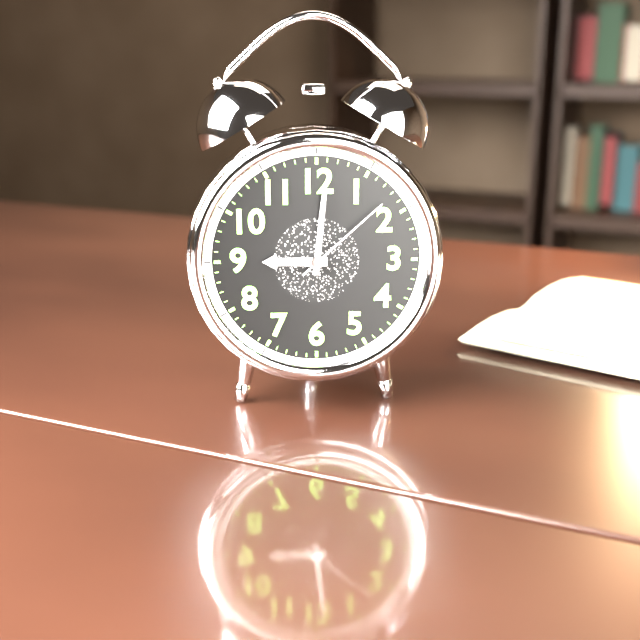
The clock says {"hour": 9, "minute": 1, "second": 8}
